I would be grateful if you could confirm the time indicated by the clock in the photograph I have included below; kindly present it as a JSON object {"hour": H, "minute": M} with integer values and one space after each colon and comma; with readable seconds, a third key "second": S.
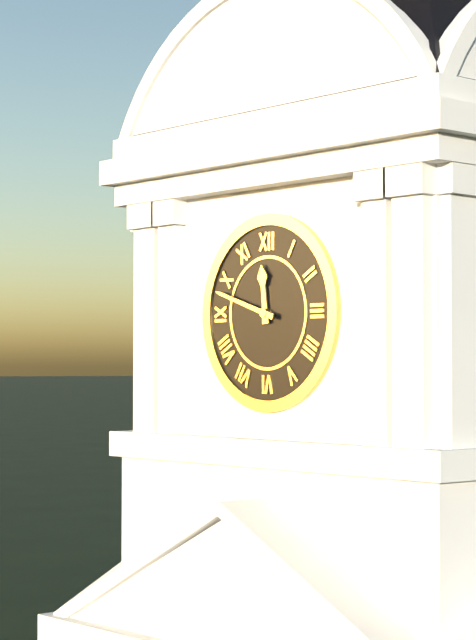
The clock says {"hour": 11, "minute": 48}
